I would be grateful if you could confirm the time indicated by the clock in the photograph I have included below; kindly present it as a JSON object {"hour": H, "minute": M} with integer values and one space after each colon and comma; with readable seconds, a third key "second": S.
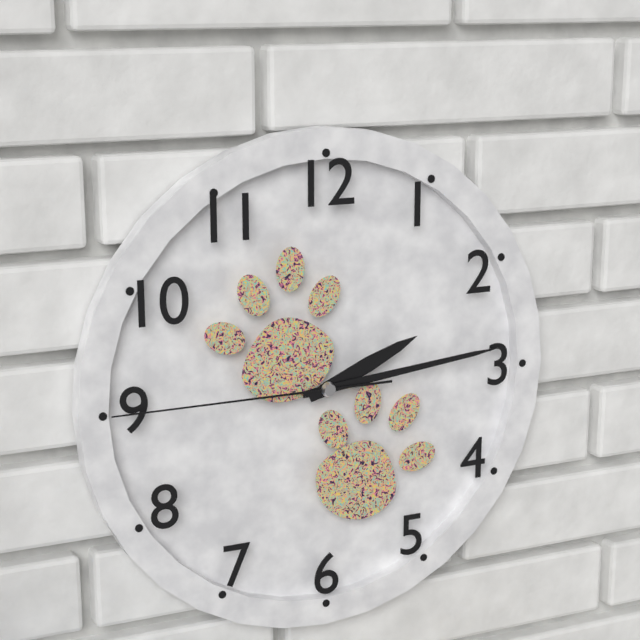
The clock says {"hour": 2, "minute": 14, "second": 45}
